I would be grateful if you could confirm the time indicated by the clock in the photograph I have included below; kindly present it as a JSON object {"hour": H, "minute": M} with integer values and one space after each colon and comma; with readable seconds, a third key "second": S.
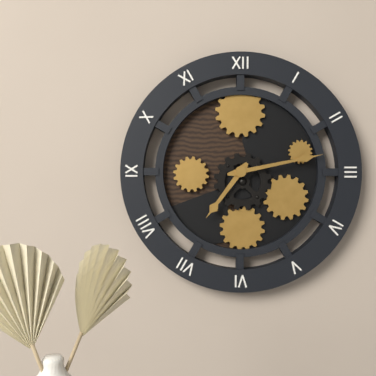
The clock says {"hour": 7, "minute": 13}
